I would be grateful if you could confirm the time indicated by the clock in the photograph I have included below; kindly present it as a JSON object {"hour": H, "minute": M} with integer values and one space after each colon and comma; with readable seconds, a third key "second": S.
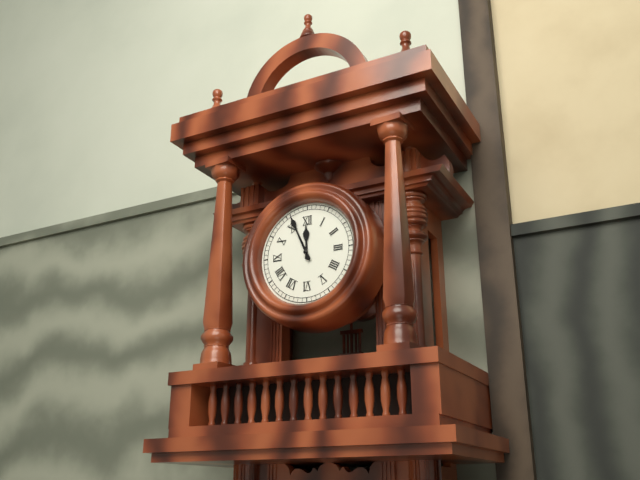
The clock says {"hour": 11, "minute": 56}
